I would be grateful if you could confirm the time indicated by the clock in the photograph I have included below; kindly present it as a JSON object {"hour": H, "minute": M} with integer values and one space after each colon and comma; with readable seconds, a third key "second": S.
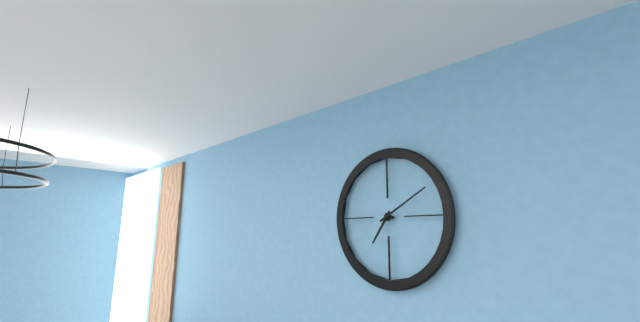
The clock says {"hour": 7, "minute": 10}
